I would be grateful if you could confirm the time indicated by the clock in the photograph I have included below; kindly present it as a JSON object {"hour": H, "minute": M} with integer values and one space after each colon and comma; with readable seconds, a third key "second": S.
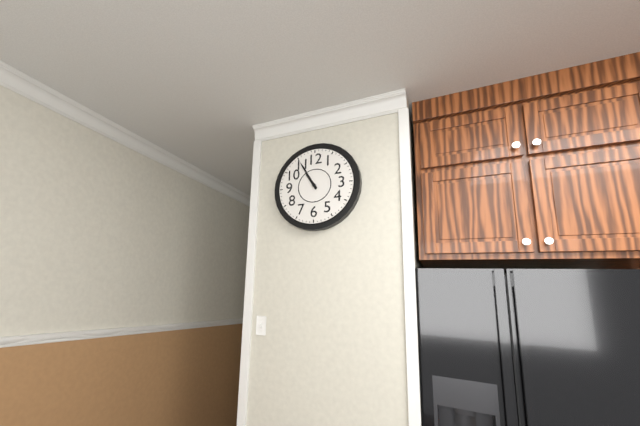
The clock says {"hour": 10, "minute": 55}
